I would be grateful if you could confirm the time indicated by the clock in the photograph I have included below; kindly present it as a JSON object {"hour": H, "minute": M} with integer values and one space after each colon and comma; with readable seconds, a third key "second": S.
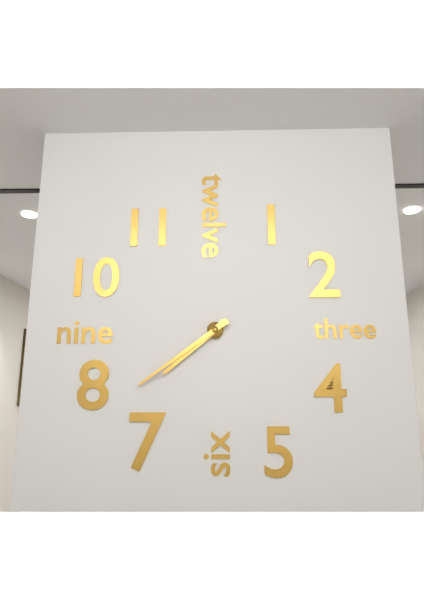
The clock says {"hour": 7, "minute": 39}
